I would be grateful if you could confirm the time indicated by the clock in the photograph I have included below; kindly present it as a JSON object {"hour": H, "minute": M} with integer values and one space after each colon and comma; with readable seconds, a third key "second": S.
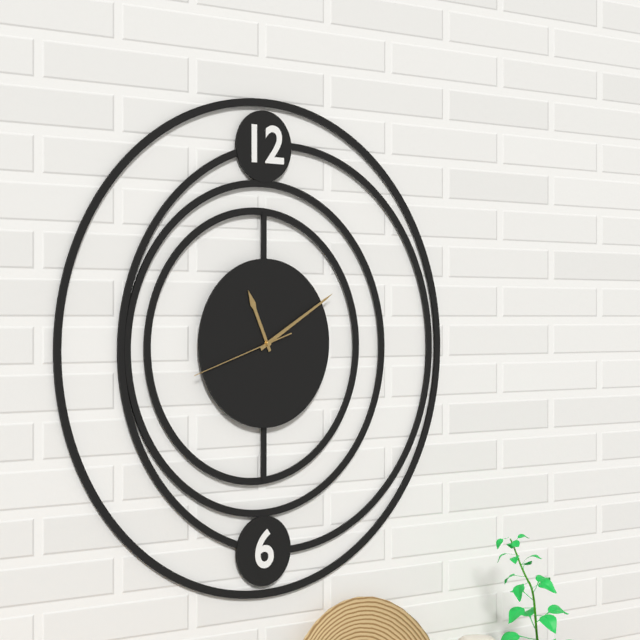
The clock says {"hour": 11, "minute": 10, "second": 42}
